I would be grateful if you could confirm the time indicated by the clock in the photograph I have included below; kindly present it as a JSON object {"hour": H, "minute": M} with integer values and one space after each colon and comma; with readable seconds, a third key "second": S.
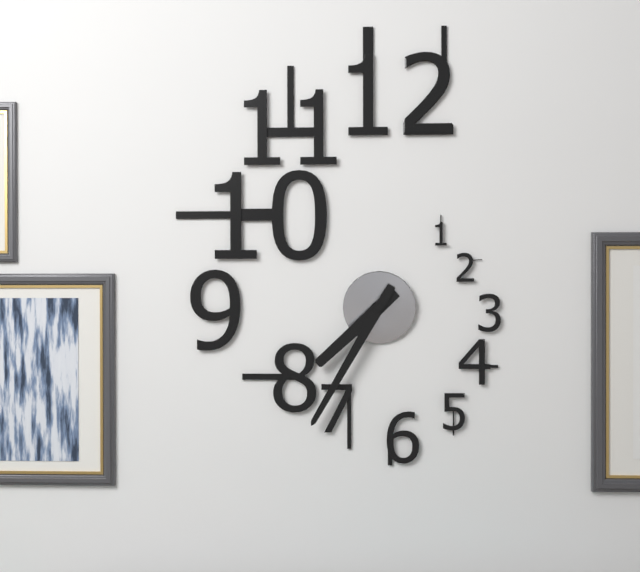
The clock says {"hour": 7, "minute": 35}
